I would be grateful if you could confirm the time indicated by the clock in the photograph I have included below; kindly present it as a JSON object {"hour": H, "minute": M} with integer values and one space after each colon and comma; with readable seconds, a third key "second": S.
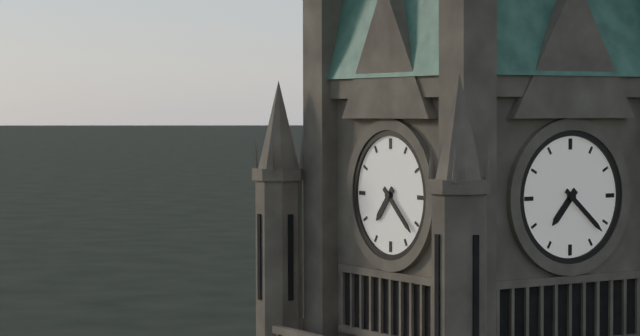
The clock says {"hour": 7, "minute": 22}
